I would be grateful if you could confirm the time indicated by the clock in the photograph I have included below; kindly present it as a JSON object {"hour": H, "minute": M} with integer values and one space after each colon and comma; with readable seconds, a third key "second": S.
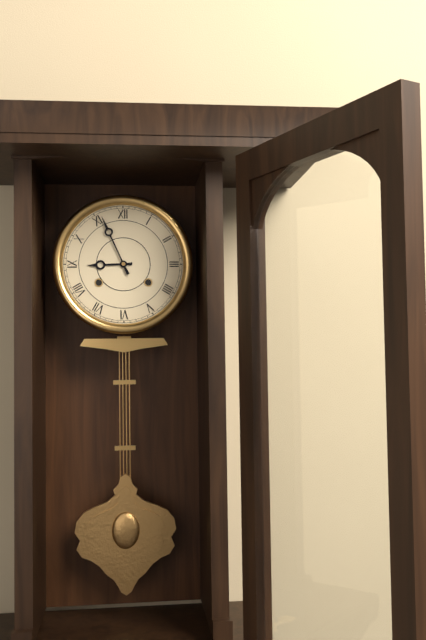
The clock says {"hour": 8, "minute": 56}
